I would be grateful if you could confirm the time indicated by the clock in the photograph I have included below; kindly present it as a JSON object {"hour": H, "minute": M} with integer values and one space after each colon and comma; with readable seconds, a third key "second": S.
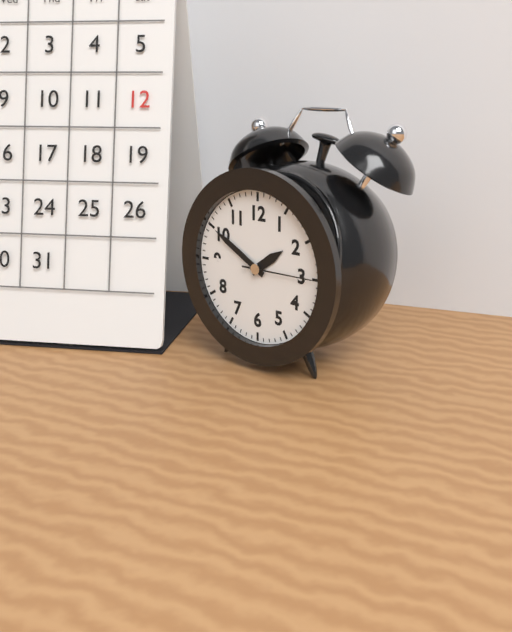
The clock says {"hour": 1, "minute": 50, "second": 15}
